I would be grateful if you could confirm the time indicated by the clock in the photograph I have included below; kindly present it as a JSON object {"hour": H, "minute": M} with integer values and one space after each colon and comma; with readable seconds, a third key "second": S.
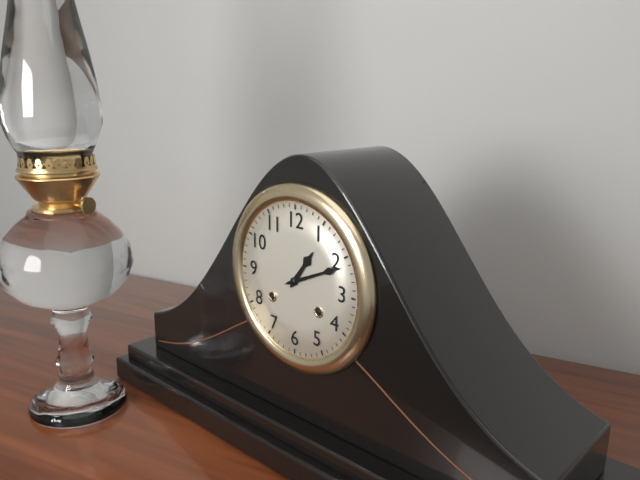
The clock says {"hour": 1, "minute": 11}
